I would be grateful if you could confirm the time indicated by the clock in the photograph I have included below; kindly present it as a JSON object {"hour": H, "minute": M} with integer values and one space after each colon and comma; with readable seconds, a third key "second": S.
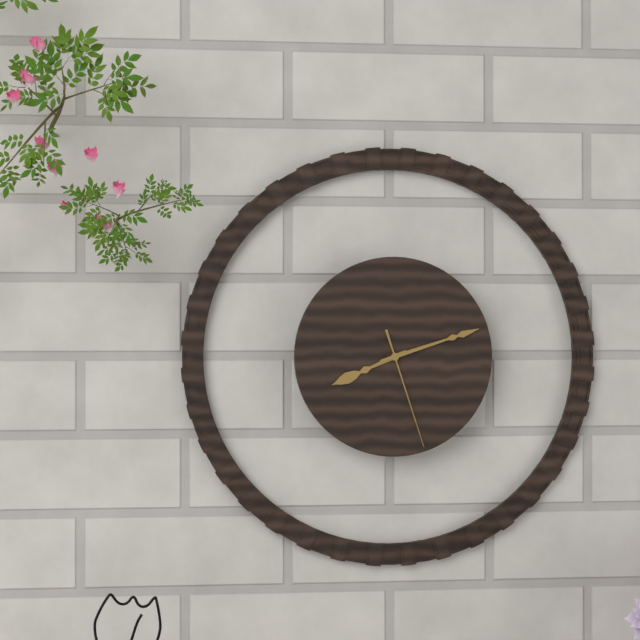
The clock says {"hour": 8, "minute": 12, "second": 27}
